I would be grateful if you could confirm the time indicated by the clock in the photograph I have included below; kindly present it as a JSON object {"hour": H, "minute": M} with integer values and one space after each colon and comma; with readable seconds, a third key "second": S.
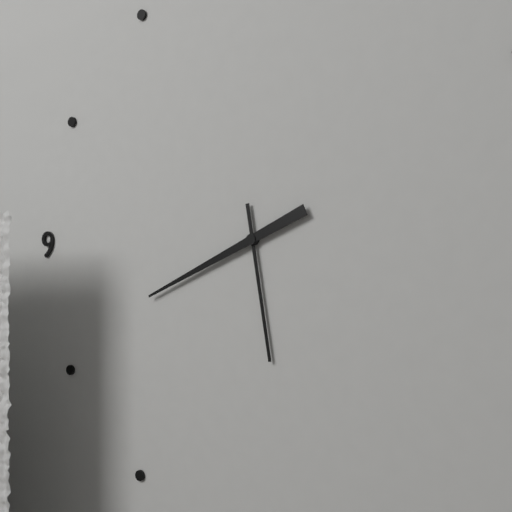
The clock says {"hour": 5, "minute": 41}
